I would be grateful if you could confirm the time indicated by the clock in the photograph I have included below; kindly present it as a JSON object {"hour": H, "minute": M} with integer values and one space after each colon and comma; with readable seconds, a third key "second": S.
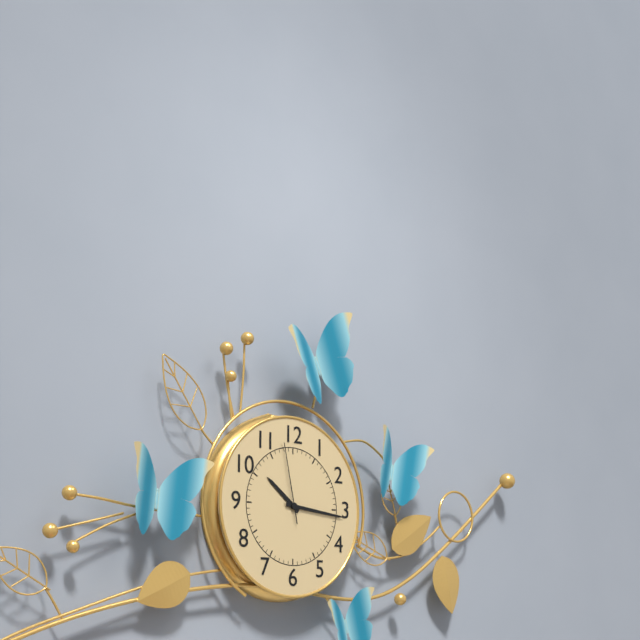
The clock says {"hour": 10, "minute": 16, "second": 58}
